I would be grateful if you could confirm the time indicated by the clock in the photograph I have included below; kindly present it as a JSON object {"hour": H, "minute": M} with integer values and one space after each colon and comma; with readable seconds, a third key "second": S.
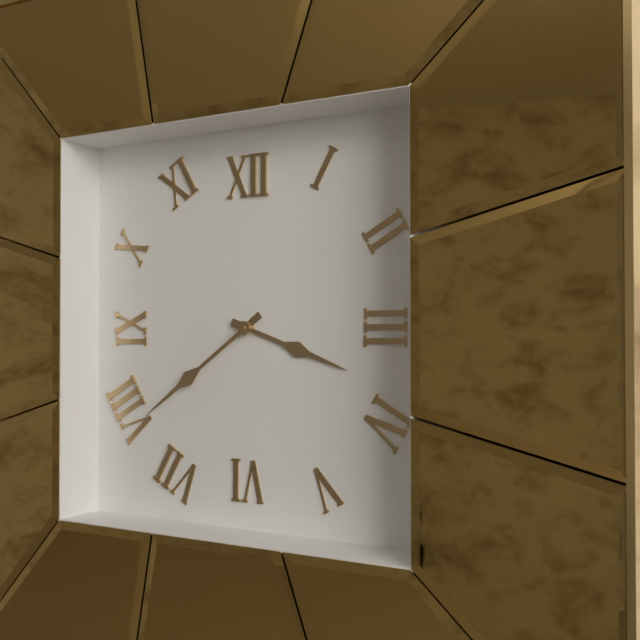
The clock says {"hour": 3, "minute": 39}
